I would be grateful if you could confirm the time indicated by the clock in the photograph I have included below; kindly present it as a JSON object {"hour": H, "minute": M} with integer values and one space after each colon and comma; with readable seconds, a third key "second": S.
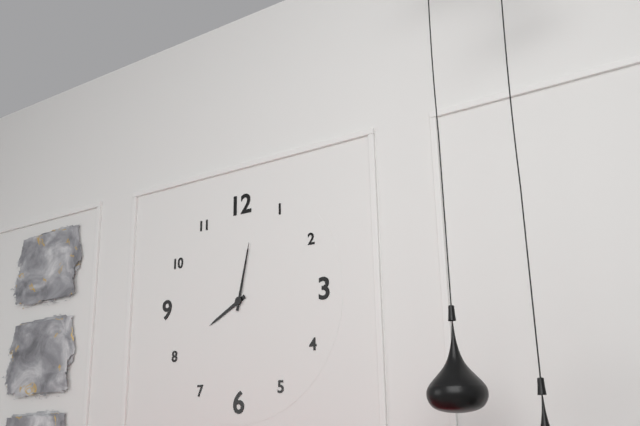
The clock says {"hour": 8, "minute": 2}
